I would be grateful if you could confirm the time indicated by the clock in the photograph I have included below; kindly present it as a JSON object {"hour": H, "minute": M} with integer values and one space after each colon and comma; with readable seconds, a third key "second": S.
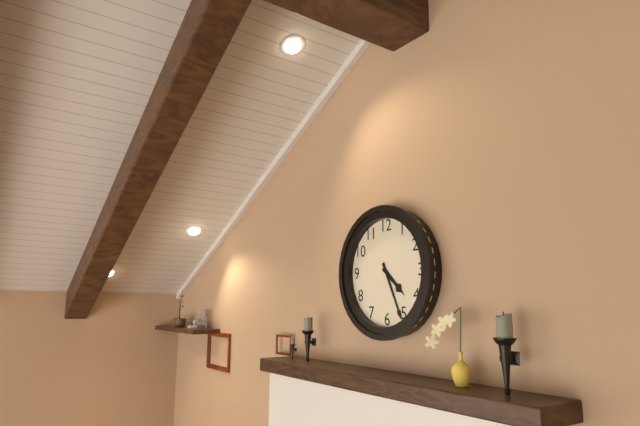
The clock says {"hour": 4, "minute": 26}
